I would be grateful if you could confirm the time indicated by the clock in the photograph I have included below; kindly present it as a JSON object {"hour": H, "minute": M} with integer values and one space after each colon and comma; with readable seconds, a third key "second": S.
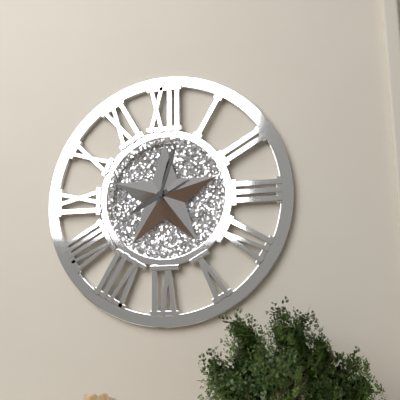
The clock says {"hour": 8, "minute": 3}
